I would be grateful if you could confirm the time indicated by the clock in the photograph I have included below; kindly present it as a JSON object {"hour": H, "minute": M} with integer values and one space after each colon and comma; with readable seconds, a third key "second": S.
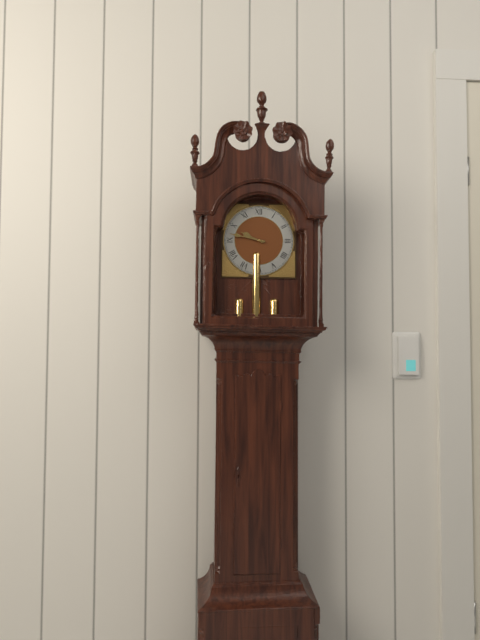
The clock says {"hour": 9, "minute": 47}
